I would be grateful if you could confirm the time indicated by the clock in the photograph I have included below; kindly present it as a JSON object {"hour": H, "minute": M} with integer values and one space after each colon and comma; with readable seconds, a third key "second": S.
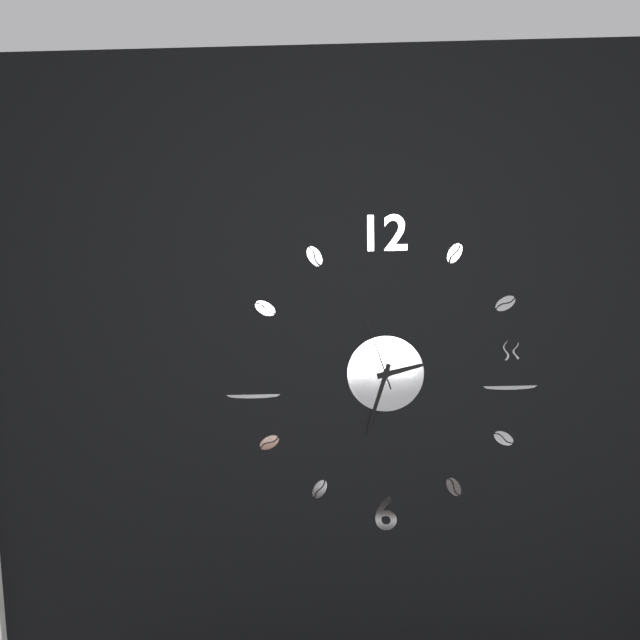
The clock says {"hour": 2, "minute": 33, "second": 57}
